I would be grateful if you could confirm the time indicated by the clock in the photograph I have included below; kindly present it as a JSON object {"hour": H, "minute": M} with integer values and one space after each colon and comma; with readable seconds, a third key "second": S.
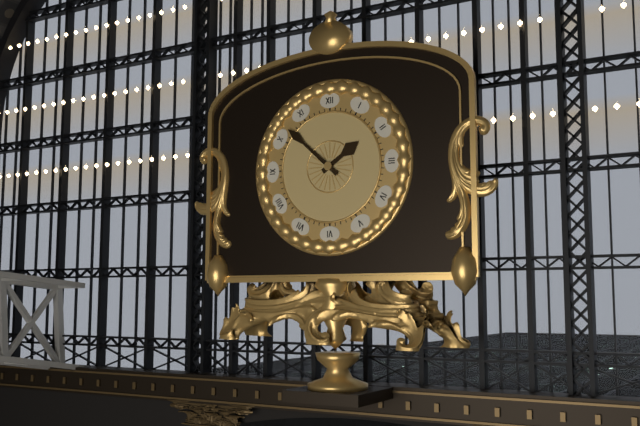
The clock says {"hour": 1, "minute": 52}
